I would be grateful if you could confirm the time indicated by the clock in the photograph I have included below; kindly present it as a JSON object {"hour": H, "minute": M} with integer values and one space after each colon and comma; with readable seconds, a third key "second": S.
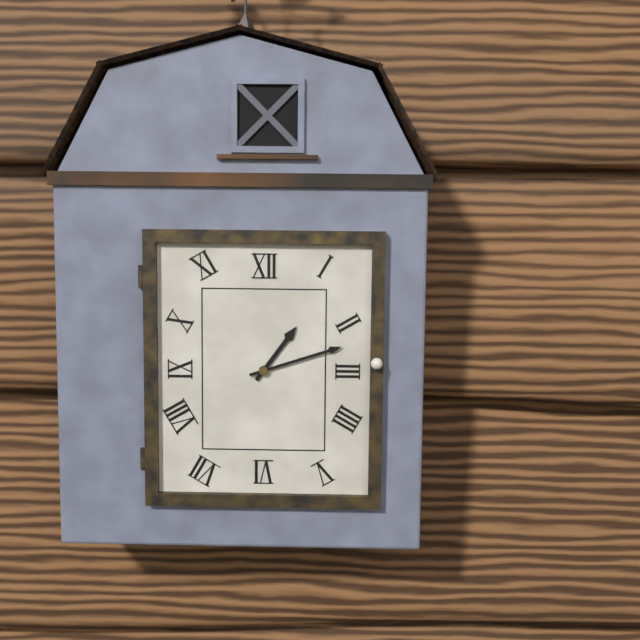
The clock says {"hour": 1, "minute": 12}
